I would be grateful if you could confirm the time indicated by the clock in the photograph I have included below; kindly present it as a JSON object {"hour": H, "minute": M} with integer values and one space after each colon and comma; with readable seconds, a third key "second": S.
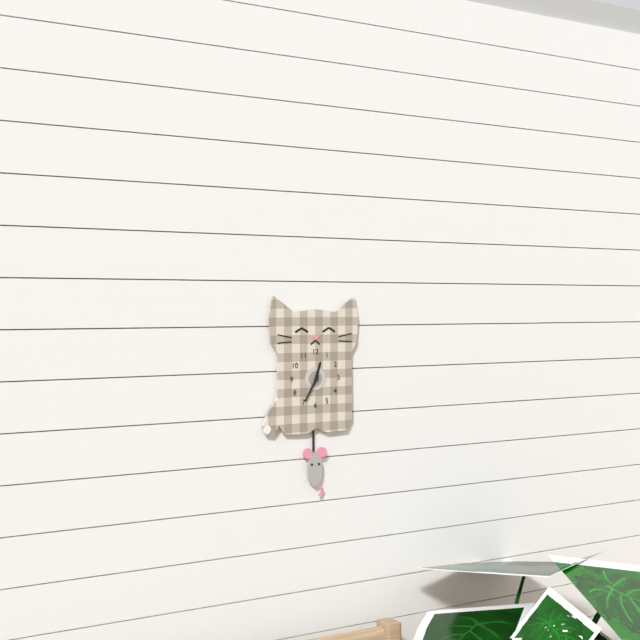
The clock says {"hour": 12, "minute": 35}
